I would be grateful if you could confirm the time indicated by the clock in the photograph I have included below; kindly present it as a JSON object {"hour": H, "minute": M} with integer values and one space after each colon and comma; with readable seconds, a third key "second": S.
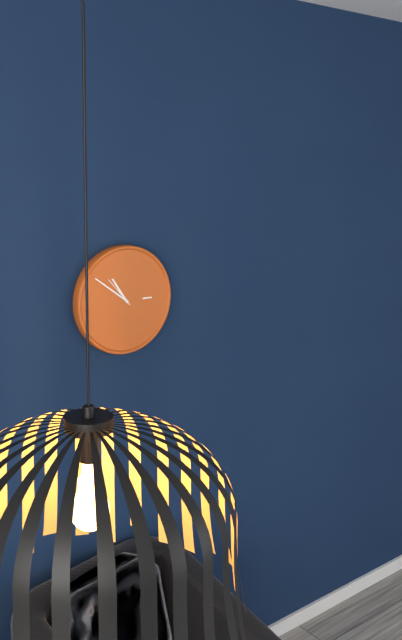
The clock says {"hour": 10, "minute": 51}
